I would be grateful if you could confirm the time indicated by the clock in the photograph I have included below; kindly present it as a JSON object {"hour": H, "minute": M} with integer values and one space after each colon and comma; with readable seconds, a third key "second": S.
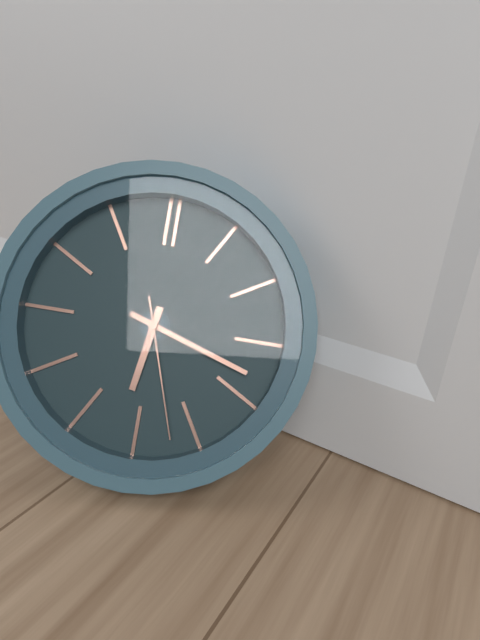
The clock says {"hour": 6, "minute": 18, "second": 27}
